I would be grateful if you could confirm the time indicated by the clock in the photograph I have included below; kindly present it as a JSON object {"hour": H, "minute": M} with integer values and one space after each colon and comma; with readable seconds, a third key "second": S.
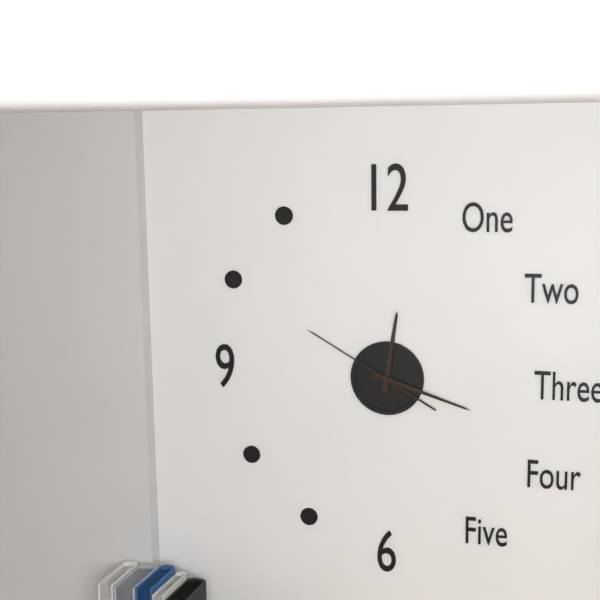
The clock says {"hour": 12, "minute": 18, "second": 50}
